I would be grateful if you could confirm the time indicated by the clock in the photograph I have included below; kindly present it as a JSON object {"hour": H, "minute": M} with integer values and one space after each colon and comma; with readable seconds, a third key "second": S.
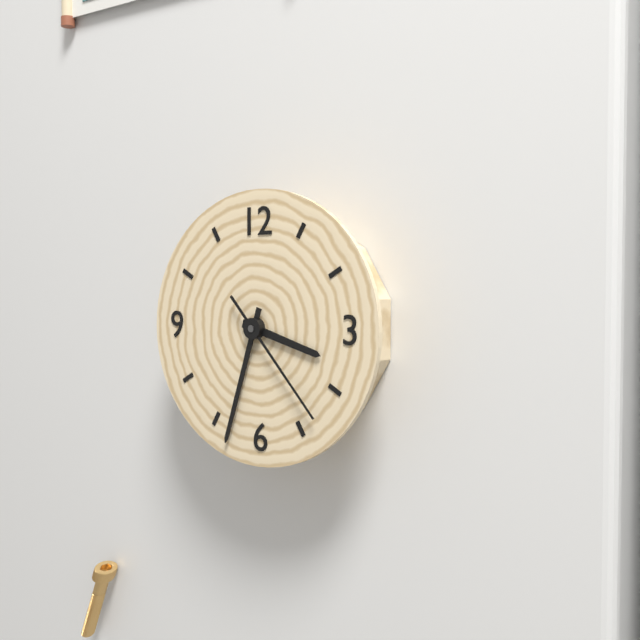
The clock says {"hour": 3, "minute": 33, "second": 23}
